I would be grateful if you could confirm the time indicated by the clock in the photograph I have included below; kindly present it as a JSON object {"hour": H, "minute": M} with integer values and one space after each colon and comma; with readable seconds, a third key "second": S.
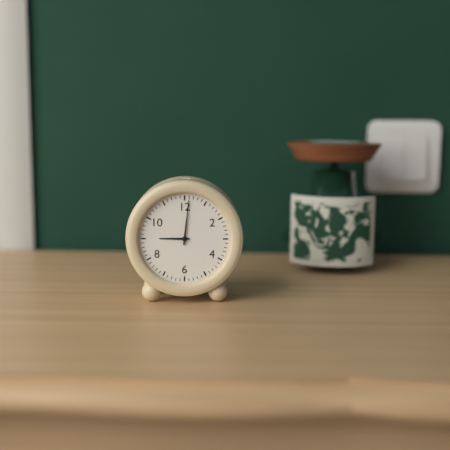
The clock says {"hour": 9, "minute": 1}
